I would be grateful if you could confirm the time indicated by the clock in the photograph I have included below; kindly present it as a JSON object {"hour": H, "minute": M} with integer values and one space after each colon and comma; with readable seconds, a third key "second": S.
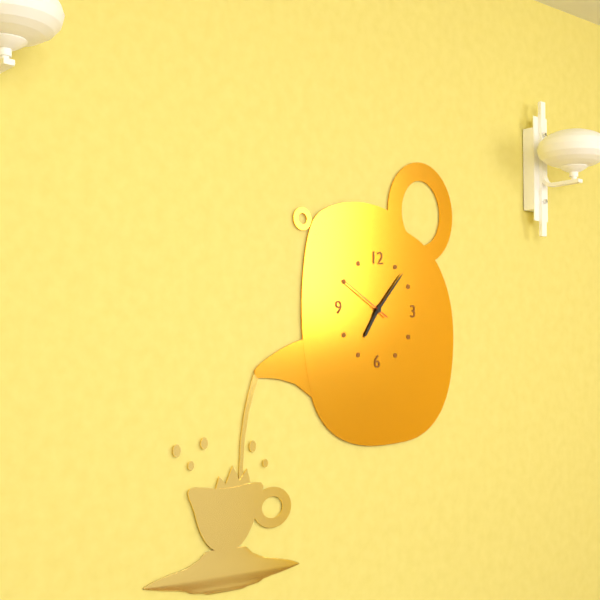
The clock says {"hour": 7, "minute": 7, "second": 50}
